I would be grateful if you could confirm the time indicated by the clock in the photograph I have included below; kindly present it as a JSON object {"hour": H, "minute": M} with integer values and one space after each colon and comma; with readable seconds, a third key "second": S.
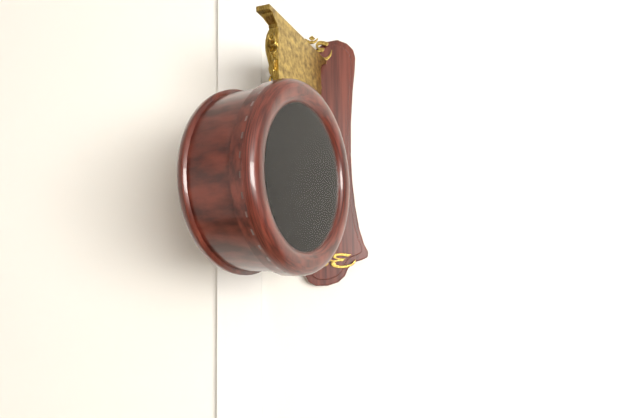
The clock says {"hour": 10, "minute": 31, "second": 17}
